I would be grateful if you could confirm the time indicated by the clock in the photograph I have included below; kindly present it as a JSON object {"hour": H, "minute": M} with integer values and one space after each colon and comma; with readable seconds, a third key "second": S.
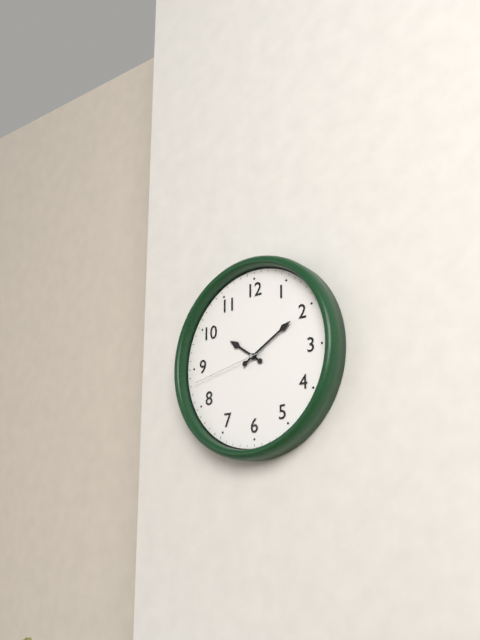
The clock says {"hour": 10, "minute": 10, "second": 43}
